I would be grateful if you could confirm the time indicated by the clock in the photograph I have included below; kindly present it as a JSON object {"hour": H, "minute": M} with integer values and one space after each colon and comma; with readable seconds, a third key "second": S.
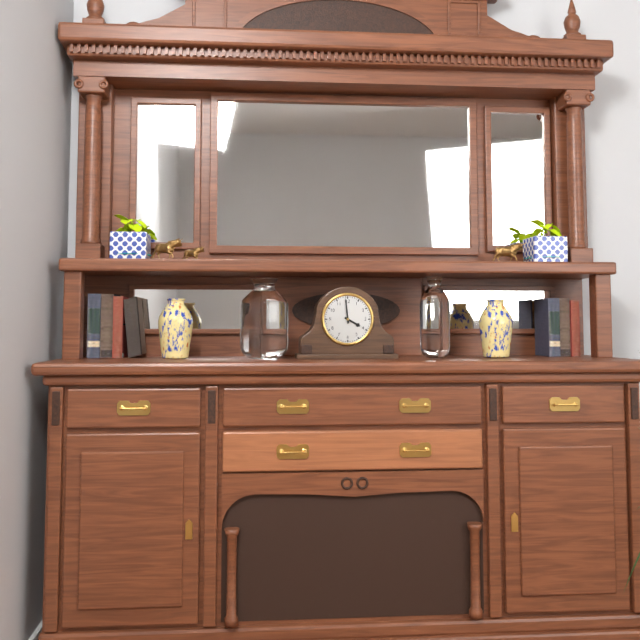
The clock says {"hour": 3, "minute": 59}
